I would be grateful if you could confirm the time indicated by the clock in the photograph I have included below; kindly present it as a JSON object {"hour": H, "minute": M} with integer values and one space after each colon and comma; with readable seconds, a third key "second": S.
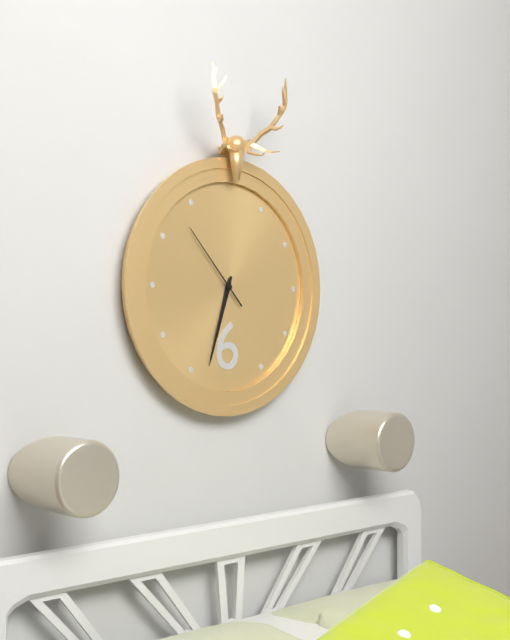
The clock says {"hour": 6, "minute": 33, "second": 53}
